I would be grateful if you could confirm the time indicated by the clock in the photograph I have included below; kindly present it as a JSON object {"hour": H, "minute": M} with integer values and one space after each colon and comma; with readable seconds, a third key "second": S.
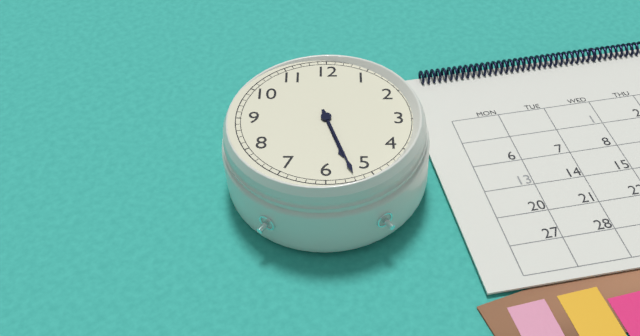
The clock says {"hour": 5, "minute": 27}
